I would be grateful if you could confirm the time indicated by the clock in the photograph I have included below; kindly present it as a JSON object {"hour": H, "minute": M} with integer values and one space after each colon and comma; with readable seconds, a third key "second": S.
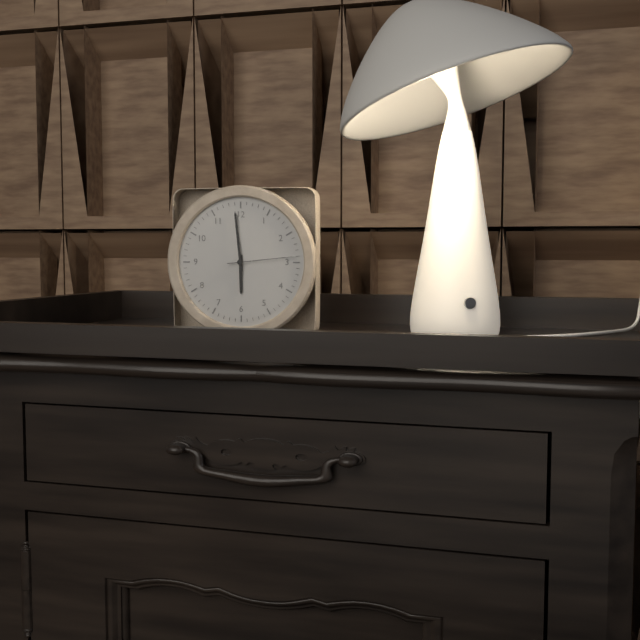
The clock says {"hour": 5, "minute": 59, "second": 14}
